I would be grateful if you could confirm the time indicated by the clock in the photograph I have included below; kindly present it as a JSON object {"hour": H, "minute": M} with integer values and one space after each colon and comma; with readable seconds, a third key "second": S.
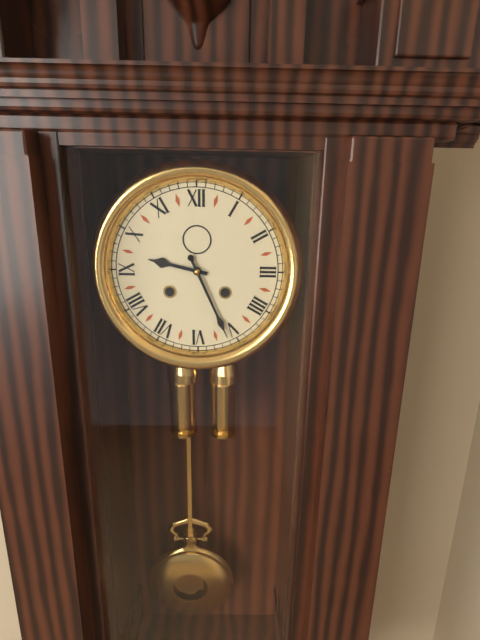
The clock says {"hour": 9, "minute": 26}
